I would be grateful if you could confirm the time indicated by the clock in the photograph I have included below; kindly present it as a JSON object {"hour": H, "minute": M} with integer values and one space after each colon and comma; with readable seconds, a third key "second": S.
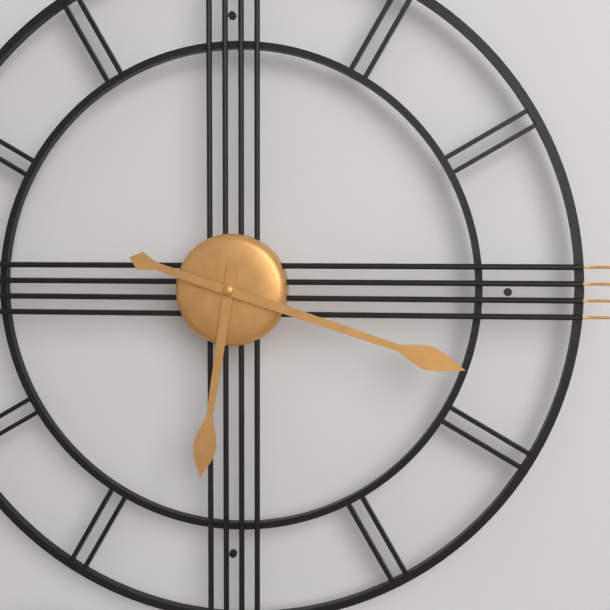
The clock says {"hour": 6, "minute": 18}
